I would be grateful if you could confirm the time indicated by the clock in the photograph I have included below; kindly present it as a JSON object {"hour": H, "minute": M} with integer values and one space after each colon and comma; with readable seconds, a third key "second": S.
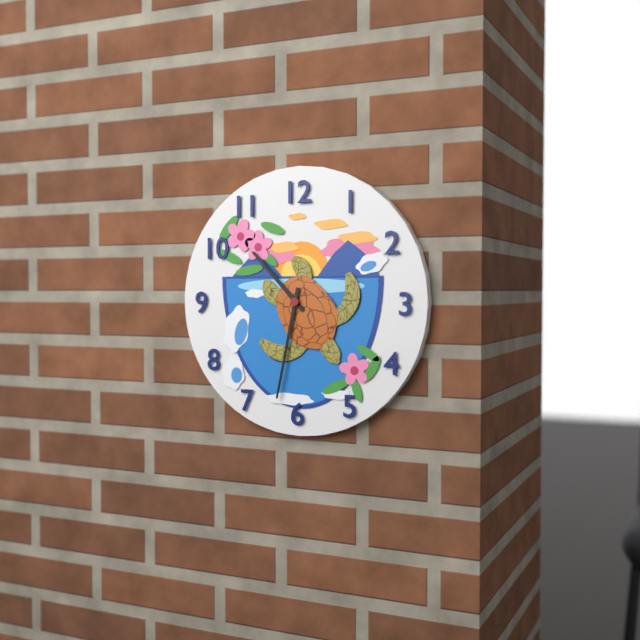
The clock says {"hour": 10, "minute": 32}
